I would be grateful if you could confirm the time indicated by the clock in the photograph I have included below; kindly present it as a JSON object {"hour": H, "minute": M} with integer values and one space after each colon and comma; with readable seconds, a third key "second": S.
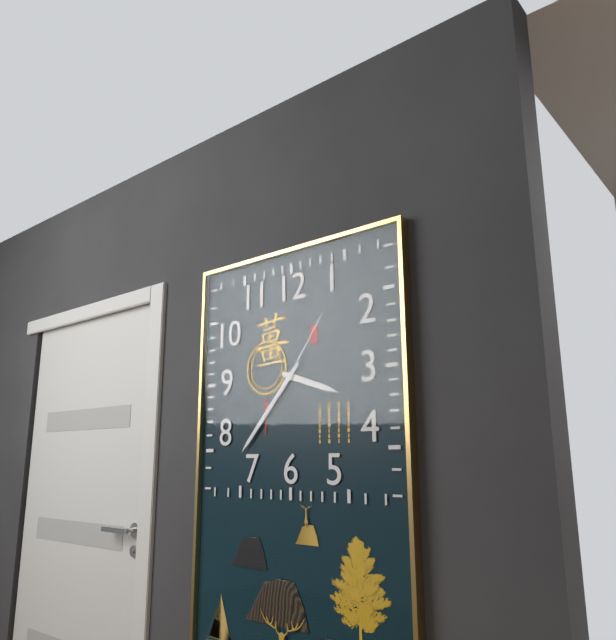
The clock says {"hour": 3, "minute": 37, "second": 6}
